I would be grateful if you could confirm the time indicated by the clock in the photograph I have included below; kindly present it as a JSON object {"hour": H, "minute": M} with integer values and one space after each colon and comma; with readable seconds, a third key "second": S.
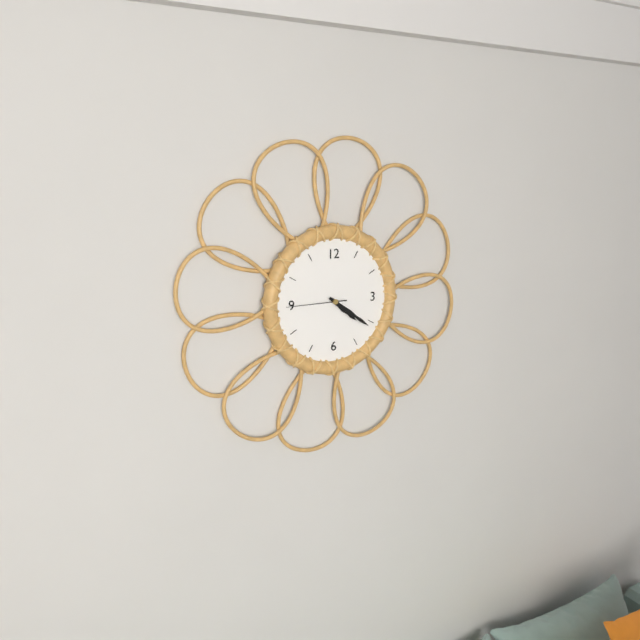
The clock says {"hour": 4, "minute": 21, "second": 45}
